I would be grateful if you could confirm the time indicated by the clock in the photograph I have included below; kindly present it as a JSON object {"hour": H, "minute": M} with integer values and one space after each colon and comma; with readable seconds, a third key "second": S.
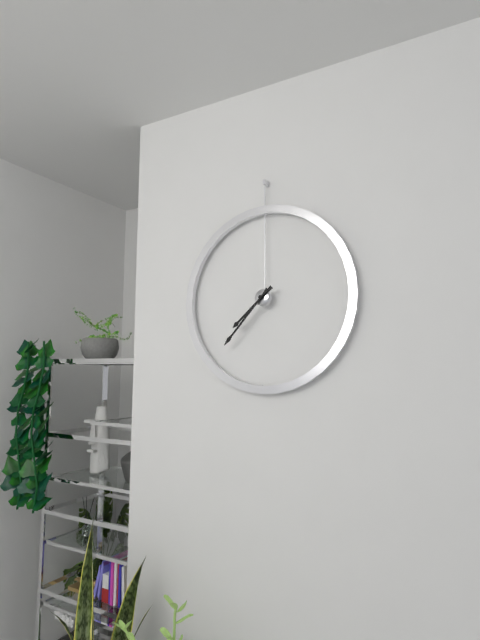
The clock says {"hour": 7, "minute": 37}
